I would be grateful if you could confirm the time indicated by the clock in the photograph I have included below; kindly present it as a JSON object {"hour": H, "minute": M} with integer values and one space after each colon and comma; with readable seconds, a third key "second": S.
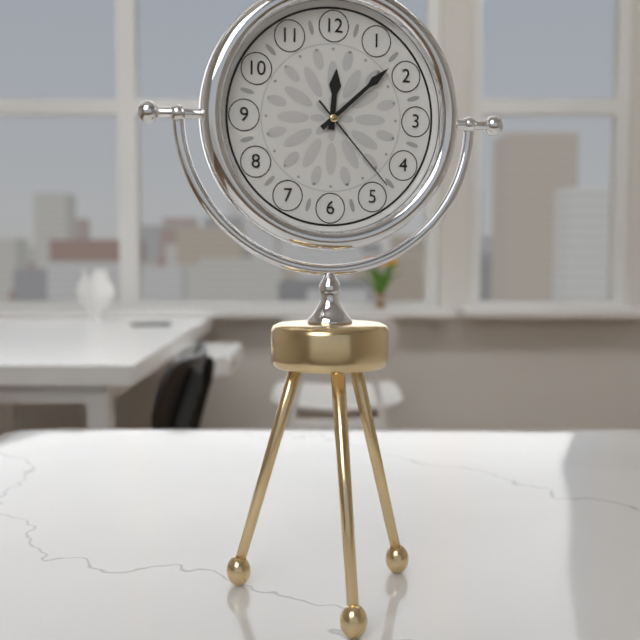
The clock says {"hour": 12, "minute": 8, "second": 23}
